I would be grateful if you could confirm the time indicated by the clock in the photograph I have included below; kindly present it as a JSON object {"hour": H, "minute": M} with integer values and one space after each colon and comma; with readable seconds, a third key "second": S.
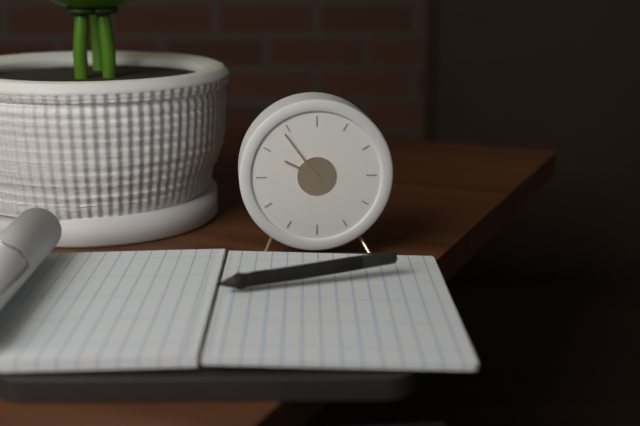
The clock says {"hour": 9, "minute": 54}
